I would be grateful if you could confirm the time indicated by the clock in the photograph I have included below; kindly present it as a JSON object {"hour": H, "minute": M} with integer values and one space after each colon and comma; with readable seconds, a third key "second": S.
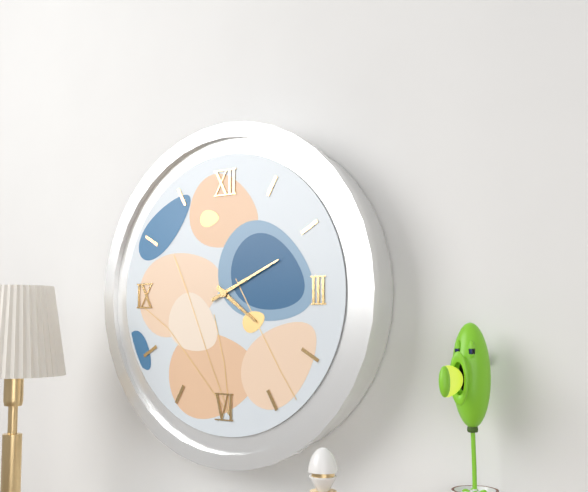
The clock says {"hour": 4, "minute": 11}
